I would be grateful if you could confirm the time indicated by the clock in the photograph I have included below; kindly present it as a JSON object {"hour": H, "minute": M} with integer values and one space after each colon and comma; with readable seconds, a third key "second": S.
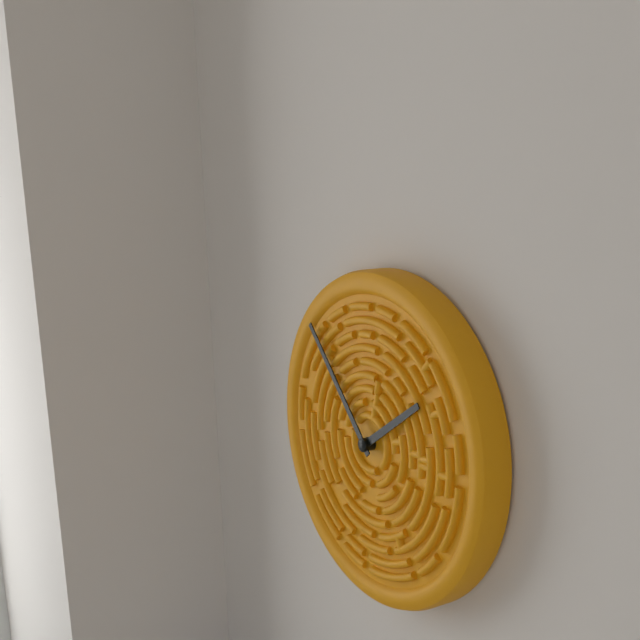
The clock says {"hour": 1, "minute": 53}
